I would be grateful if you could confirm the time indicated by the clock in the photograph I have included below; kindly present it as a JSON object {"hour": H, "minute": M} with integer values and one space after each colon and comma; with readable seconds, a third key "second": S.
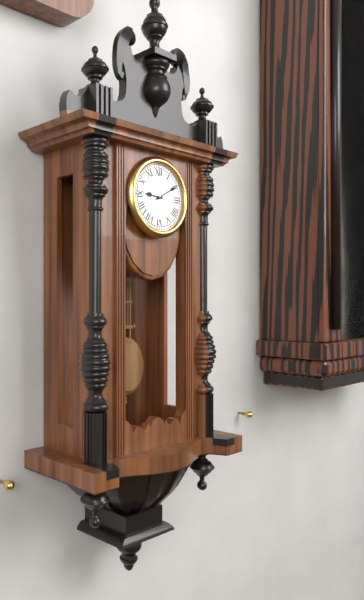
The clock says {"hour": 9, "minute": 10}
